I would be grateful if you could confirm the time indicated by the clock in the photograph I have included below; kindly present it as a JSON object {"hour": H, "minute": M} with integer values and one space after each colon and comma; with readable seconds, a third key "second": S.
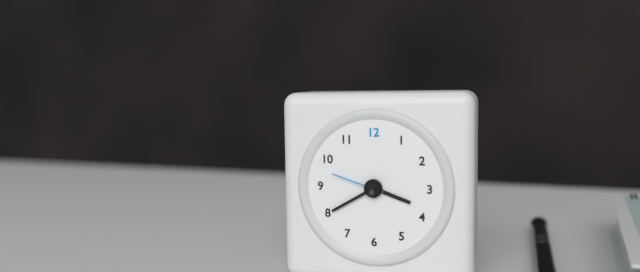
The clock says {"hour": 3, "minute": 40, "second": 48}
